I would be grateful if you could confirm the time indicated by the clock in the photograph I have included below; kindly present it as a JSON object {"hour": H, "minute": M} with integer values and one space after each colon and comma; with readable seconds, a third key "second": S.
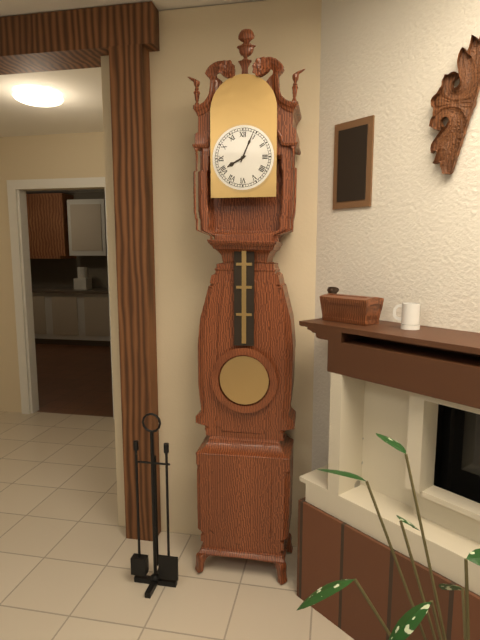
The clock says {"hour": 8, "minute": 4}
